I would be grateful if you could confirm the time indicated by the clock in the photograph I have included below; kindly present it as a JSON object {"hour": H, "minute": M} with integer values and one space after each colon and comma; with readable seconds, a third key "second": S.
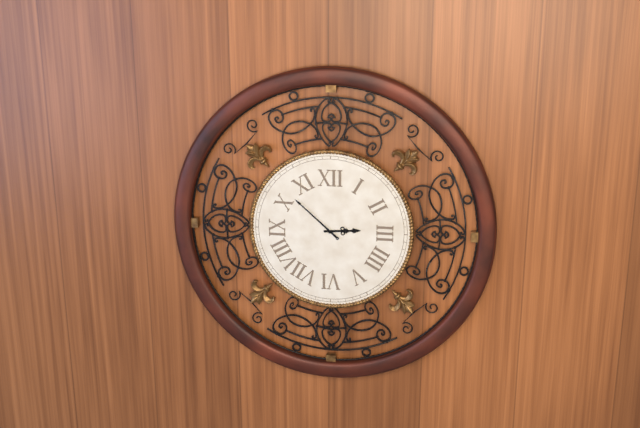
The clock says {"hour": 2, "minute": 52}
